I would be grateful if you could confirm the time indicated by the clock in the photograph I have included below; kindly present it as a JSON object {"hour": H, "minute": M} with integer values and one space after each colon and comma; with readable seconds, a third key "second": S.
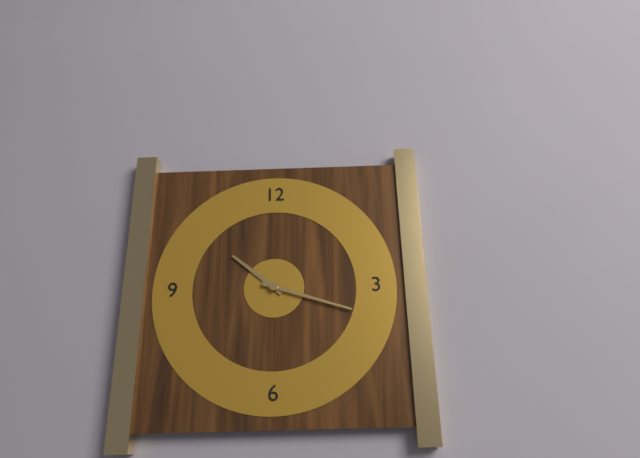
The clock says {"hour": 10, "minute": 18}
